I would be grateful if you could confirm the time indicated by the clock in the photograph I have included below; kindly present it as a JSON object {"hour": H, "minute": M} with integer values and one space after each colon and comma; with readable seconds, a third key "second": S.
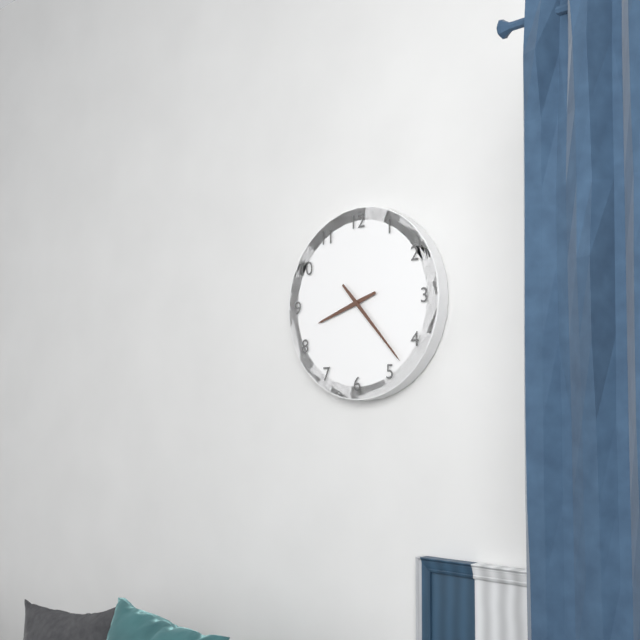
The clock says {"hour": 8, "minute": 23}
